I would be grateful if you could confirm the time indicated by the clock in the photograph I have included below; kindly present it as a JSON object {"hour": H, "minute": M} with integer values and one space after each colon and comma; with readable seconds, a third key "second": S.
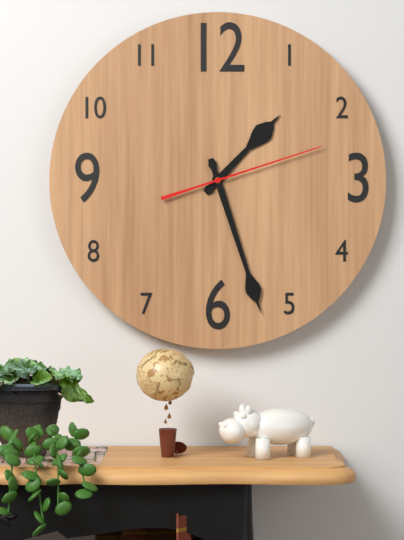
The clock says {"hour": 1, "minute": 27, "second": 12}
